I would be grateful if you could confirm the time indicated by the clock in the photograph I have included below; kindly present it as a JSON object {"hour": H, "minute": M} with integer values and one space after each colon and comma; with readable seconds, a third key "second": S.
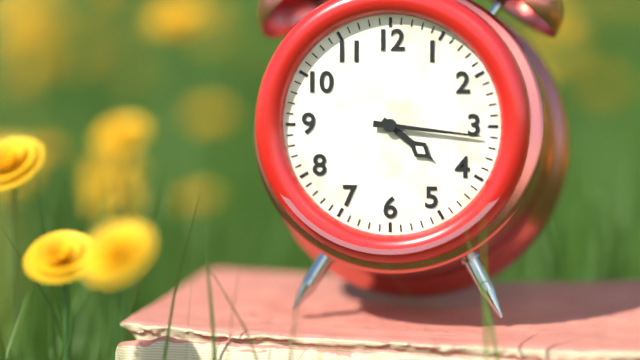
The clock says {"hour": 4, "minute": 16}
